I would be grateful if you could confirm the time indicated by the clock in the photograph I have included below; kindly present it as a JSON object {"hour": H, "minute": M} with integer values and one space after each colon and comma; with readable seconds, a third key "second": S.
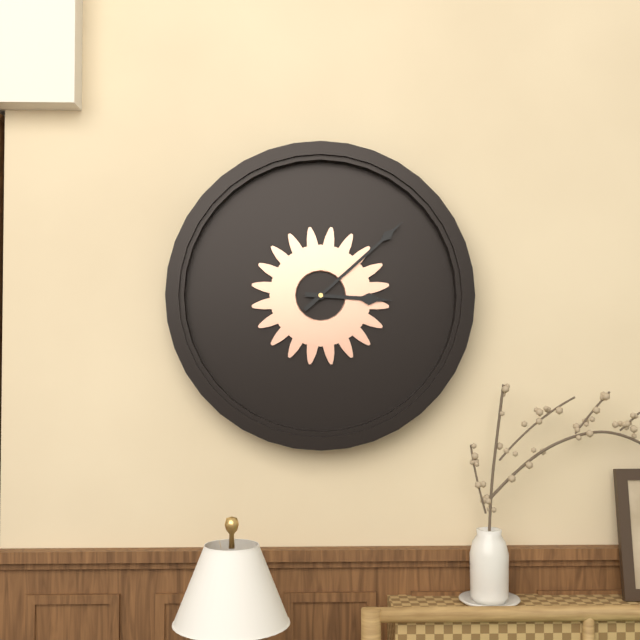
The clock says {"hour": 3, "minute": 8}
